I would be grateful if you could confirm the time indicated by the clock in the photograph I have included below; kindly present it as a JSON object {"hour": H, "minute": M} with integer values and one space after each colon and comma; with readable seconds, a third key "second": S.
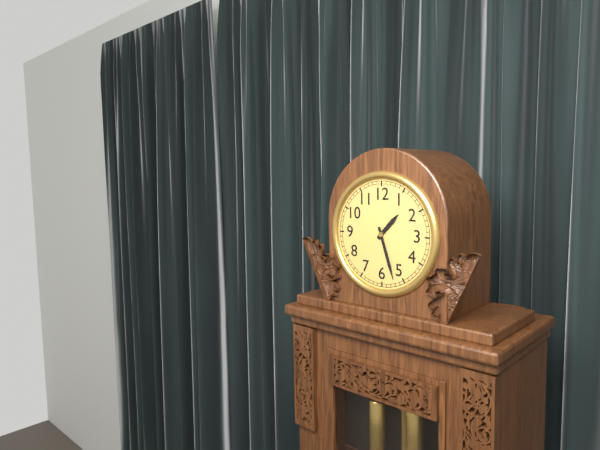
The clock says {"hour": 1, "minute": 27}
